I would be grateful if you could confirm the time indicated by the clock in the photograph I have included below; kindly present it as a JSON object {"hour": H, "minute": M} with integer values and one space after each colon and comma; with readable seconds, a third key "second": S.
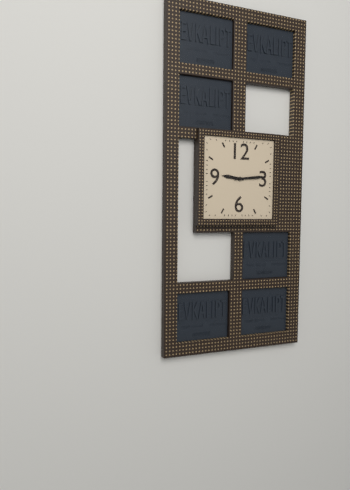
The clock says {"hour": 9, "minute": 14}
